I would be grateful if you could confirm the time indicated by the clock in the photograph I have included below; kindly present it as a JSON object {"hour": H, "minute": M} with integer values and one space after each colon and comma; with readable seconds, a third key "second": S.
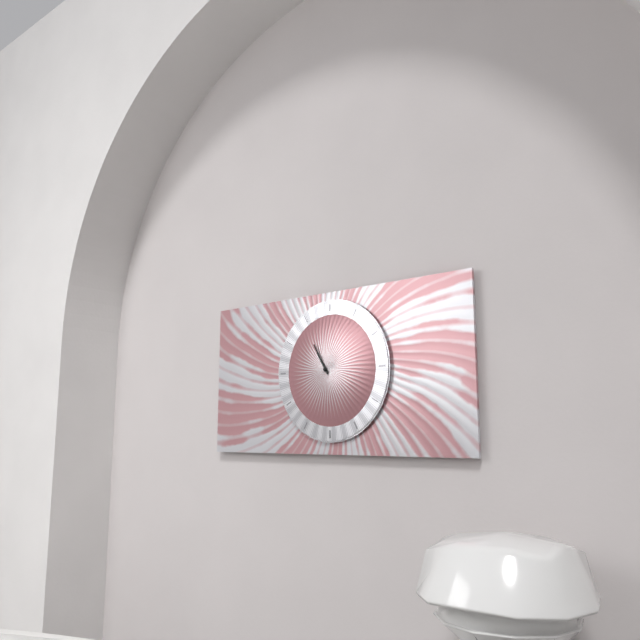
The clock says {"hour": 10, "minute": 55}
